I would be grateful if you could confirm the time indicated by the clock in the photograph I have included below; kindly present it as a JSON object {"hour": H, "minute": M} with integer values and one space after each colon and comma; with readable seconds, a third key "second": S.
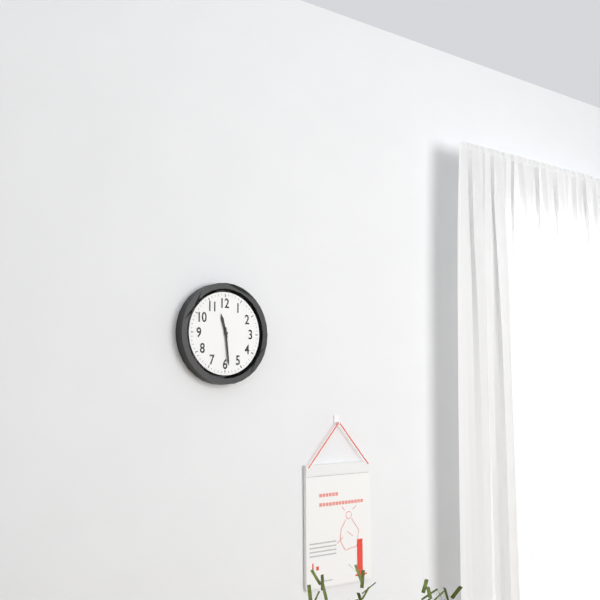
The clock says {"hour": 11, "minute": 29}
